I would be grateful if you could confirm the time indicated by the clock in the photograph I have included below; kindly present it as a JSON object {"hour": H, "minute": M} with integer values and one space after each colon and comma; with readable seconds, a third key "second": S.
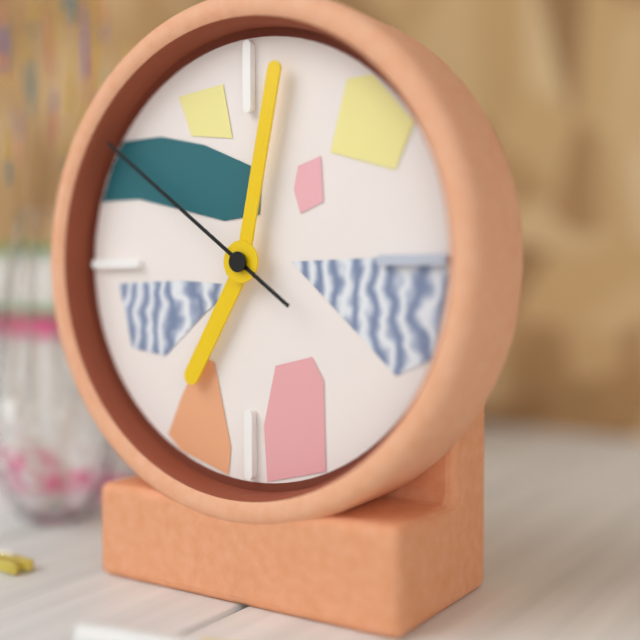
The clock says {"hour": 7, "minute": 2, "second": 51}
